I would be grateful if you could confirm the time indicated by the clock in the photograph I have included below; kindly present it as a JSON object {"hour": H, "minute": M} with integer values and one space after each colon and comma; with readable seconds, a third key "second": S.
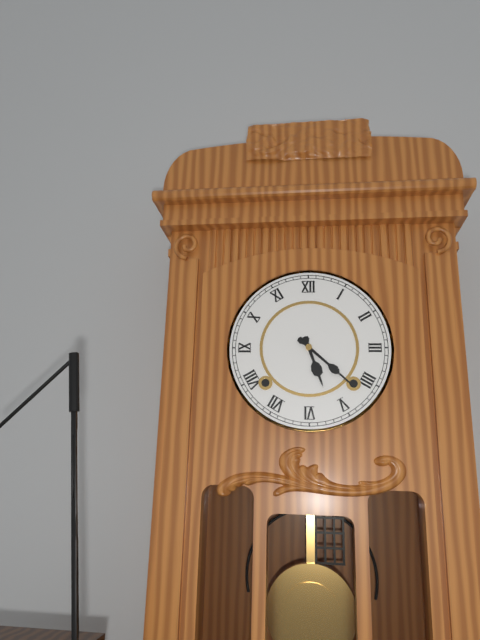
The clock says {"hour": 5, "minute": 22}
